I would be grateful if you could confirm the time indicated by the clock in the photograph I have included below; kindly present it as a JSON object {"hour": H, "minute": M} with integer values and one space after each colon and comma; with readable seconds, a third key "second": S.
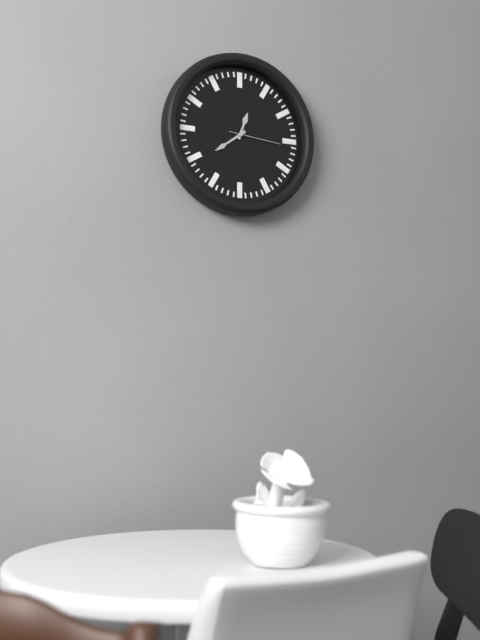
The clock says {"hour": 12, "minute": 39, "second": 16}
